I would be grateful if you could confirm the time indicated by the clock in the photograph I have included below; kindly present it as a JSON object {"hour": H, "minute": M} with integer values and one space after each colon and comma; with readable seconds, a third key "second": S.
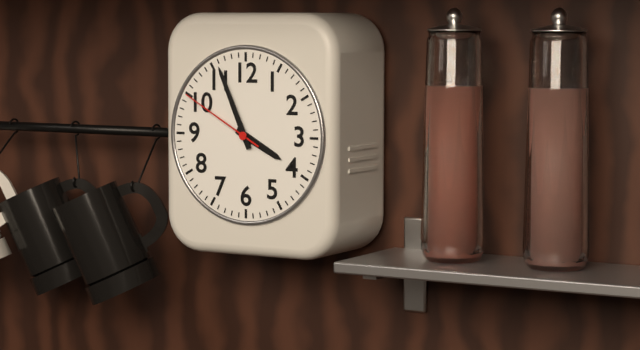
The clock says {"hour": 3, "minute": 56, "second": 50}
